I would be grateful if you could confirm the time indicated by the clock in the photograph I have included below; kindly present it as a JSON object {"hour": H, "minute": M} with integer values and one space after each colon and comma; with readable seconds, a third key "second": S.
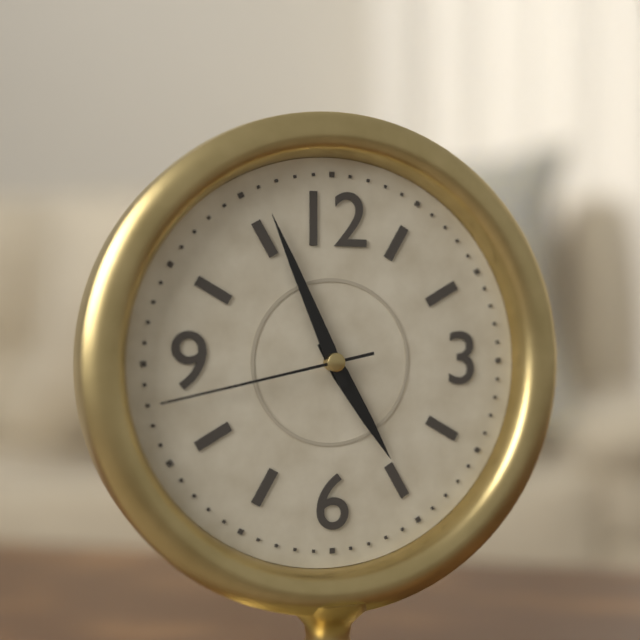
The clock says {"hour": 4, "minute": 56, "second": 43}
